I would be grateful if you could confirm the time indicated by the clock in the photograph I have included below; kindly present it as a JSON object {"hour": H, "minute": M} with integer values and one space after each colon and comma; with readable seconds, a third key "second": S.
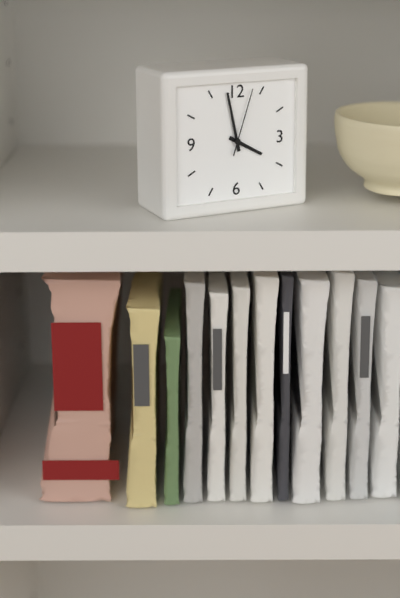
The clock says {"hour": 3, "minute": 58, "second": 3}
